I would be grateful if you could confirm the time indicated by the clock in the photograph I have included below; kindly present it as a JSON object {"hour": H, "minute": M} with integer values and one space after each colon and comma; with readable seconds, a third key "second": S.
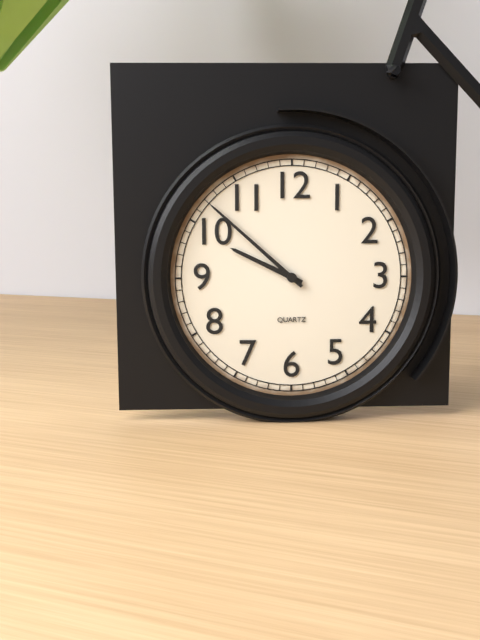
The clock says {"hour": 9, "minute": 52}
